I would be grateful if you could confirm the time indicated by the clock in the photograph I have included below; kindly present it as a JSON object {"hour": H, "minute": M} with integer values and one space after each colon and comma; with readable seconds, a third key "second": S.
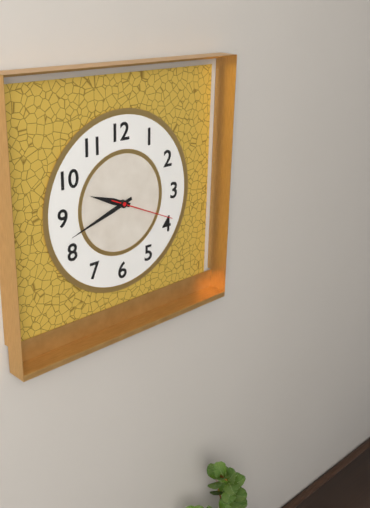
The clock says {"hour": 9, "minute": 42, "second": 19}
